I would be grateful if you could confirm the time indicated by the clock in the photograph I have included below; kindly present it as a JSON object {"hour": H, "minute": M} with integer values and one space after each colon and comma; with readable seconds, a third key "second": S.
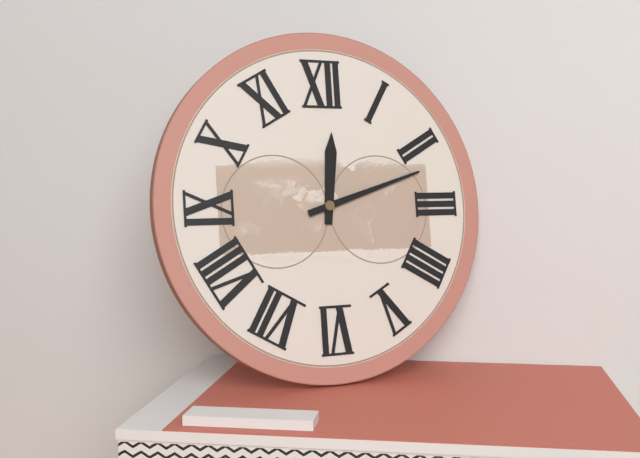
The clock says {"hour": 12, "minute": 12}
